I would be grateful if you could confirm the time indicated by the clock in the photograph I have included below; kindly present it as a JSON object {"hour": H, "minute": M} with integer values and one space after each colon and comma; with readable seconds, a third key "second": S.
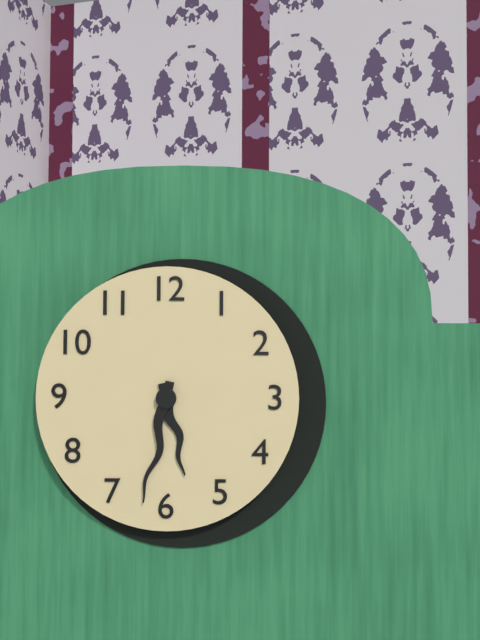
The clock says {"hour": 5, "minute": 32}
